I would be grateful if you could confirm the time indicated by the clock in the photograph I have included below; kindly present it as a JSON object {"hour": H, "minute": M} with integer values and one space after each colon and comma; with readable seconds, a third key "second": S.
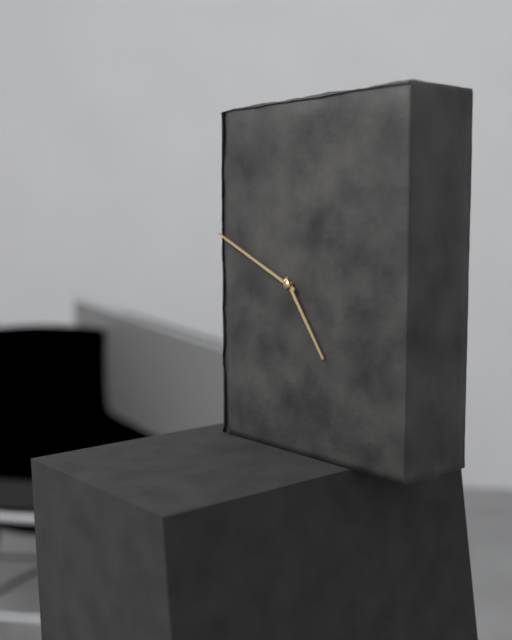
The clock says {"hour": 4, "minute": 49}
